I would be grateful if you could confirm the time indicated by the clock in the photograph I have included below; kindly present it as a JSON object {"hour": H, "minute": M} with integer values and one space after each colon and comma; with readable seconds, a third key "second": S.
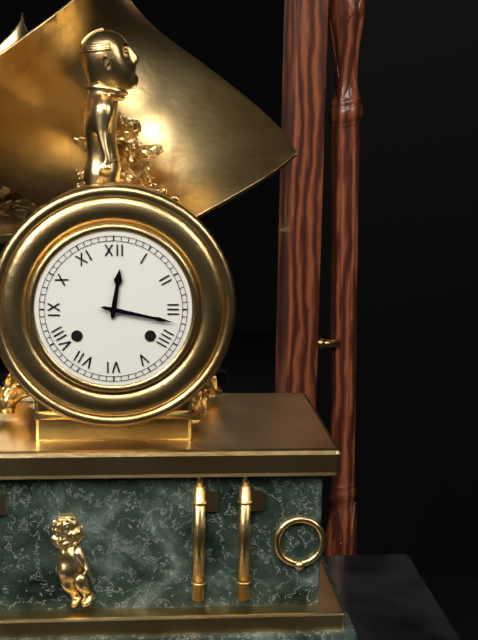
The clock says {"hour": 12, "minute": 17}
